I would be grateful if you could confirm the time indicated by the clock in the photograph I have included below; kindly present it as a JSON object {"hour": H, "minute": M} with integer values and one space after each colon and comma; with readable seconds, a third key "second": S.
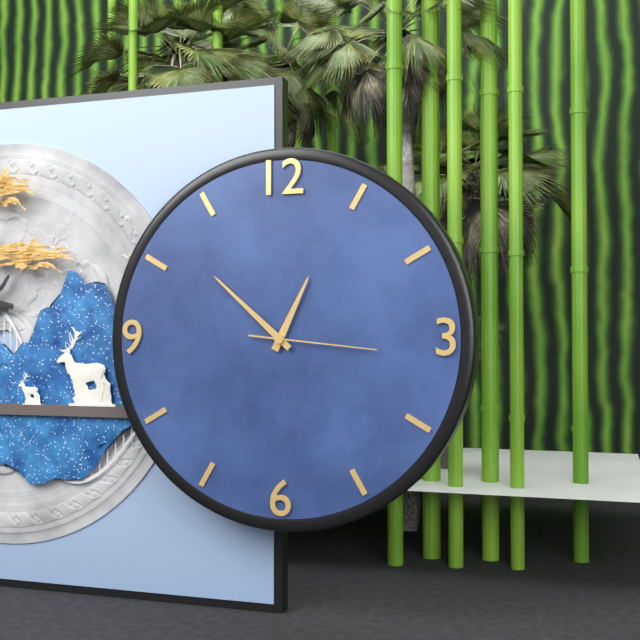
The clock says {"hour": 12, "minute": 52, "second": 16}
